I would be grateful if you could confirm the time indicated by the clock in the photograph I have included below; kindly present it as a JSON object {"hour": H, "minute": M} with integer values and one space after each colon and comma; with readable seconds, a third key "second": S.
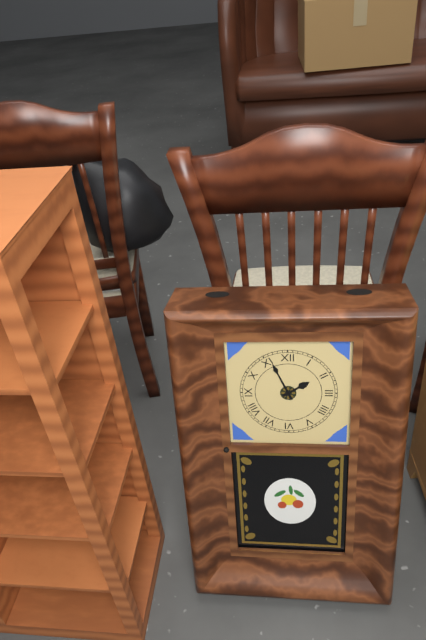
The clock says {"hour": 1, "minute": 56}
